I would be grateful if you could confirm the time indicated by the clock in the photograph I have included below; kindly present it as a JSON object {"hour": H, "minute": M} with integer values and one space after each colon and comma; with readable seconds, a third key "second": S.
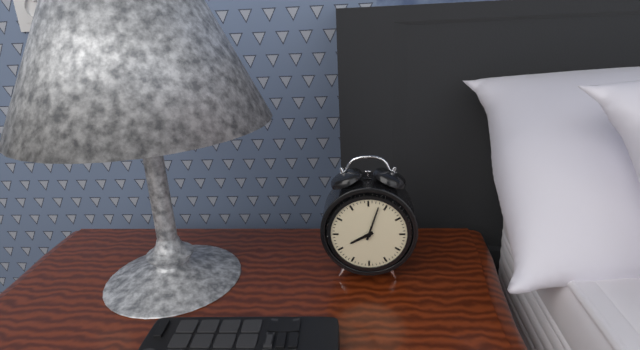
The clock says {"hour": 8, "minute": 3}
